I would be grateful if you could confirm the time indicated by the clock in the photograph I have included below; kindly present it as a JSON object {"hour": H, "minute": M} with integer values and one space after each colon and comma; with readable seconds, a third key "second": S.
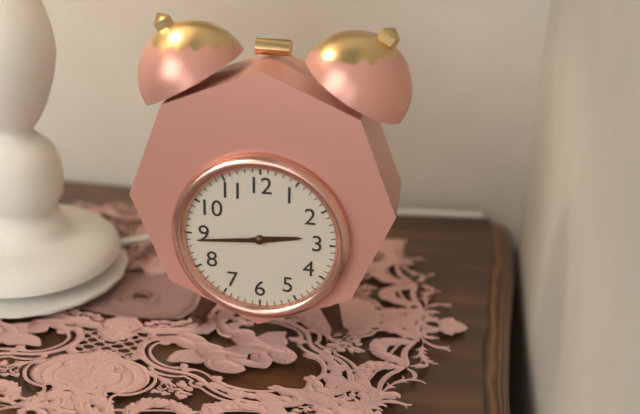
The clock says {"hour": 2, "minute": 44}
